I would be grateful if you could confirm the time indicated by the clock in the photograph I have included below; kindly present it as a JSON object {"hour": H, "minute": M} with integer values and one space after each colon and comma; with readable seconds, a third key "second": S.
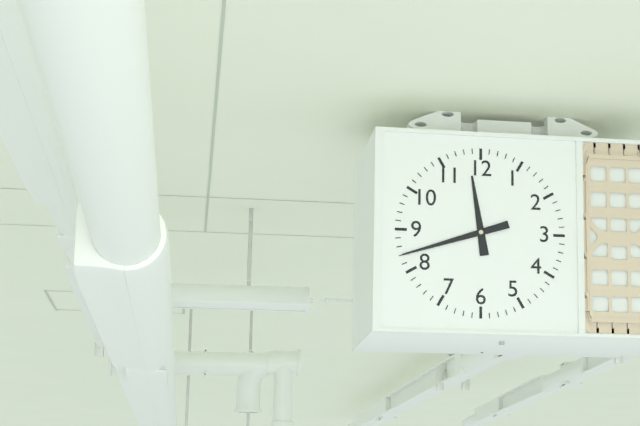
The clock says {"hour": 11, "minute": 42}
